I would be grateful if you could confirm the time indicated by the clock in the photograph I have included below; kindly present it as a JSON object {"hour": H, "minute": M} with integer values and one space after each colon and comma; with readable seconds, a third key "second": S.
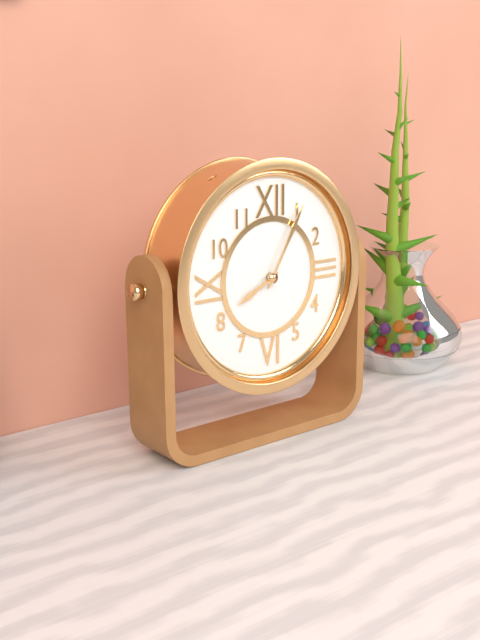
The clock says {"hour": 8, "minute": 5}
